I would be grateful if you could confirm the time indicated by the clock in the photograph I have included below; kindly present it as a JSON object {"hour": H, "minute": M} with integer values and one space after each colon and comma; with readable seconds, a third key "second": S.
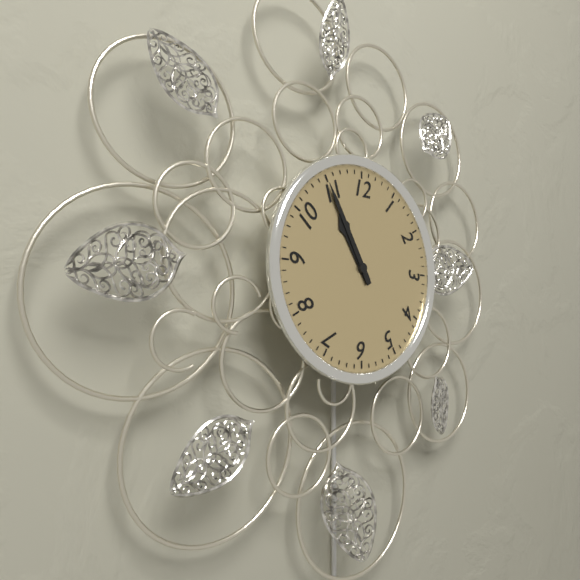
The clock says {"hour": 10, "minute": 55}
